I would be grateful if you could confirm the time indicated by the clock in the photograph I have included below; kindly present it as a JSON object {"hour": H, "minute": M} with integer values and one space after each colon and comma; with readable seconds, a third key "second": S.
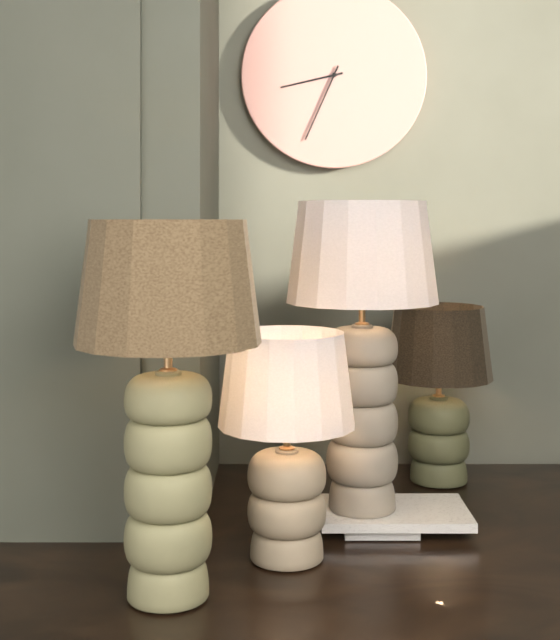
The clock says {"hour": 8, "minute": 34}
